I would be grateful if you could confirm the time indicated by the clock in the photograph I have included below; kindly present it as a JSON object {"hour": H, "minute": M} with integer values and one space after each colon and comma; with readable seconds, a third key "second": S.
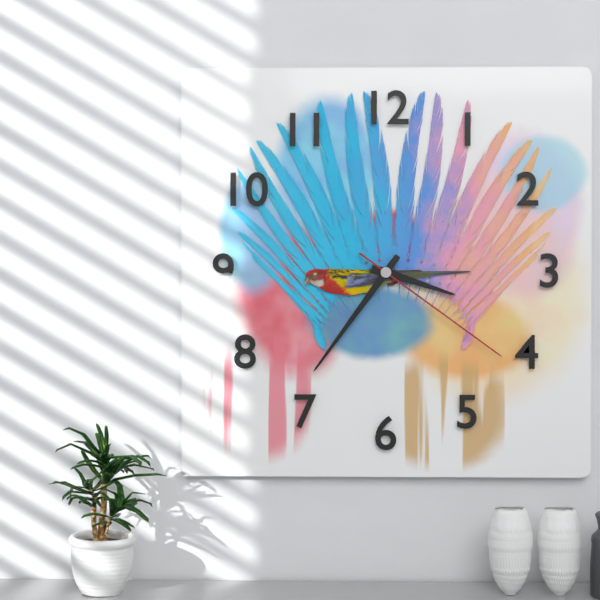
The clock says {"hour": 3, "minute": 36, "second": 21}
